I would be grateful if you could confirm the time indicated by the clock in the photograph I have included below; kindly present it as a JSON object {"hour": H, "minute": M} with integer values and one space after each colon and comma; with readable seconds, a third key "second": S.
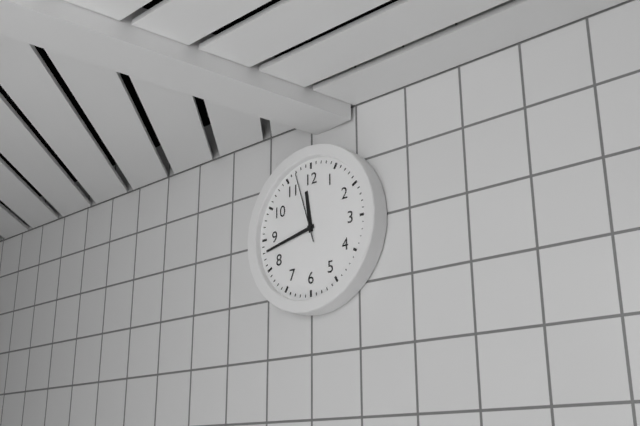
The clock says {"hour": 11, "minute": 43, "second": 57}
